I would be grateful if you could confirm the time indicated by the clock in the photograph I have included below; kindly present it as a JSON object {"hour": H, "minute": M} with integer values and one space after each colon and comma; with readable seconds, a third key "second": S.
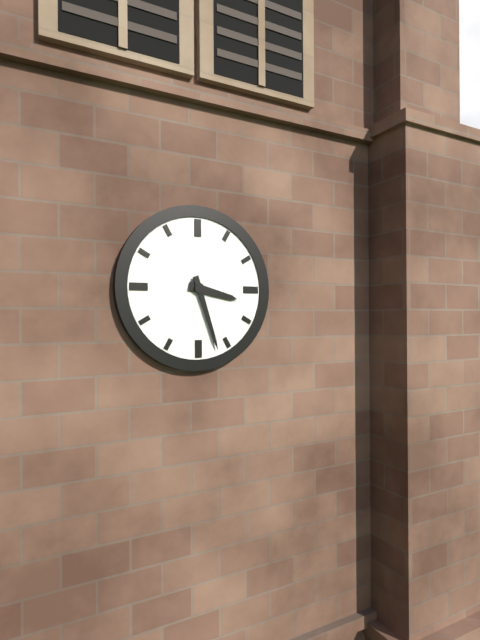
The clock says {"hour": 3, "minute": 27}
